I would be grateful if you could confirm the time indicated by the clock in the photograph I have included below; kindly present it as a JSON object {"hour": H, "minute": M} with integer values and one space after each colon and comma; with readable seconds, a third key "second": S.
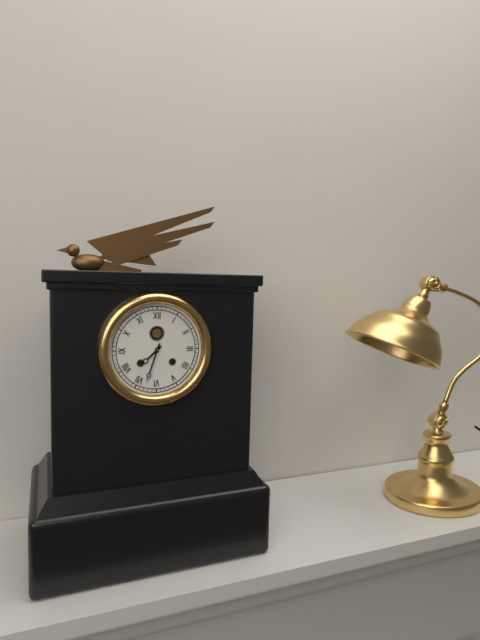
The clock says {"hour": 7, "minute": 33}
